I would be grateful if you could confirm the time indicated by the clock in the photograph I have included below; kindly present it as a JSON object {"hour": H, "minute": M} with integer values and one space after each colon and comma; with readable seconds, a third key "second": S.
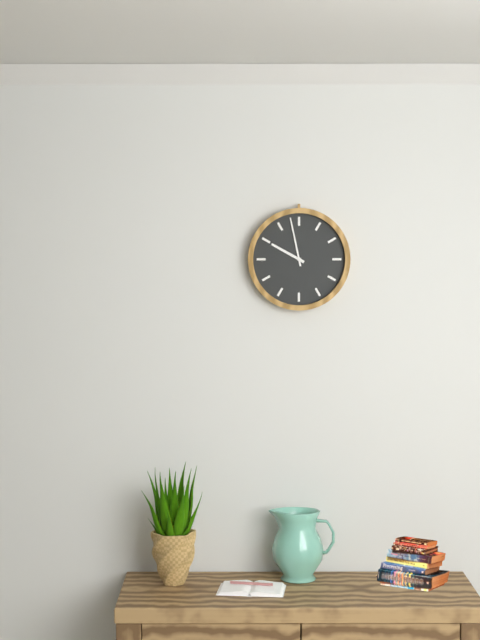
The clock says {"hour": 9, "minute": 58}
